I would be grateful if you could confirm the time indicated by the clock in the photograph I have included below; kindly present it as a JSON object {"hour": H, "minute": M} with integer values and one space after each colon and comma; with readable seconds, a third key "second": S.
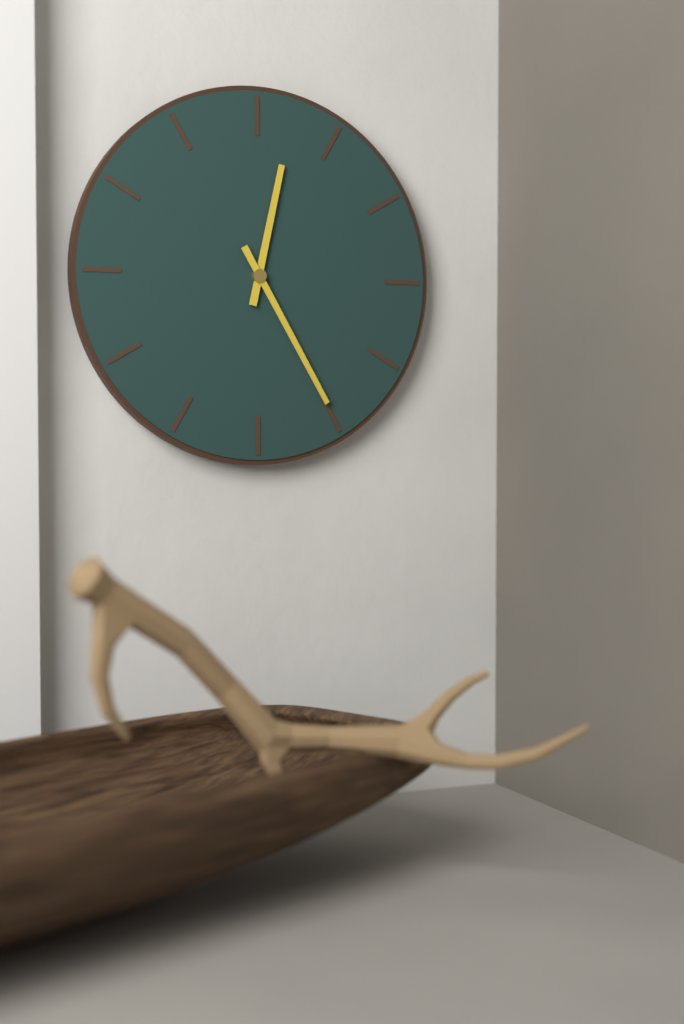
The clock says {"hour": 12, "minute": 25}
